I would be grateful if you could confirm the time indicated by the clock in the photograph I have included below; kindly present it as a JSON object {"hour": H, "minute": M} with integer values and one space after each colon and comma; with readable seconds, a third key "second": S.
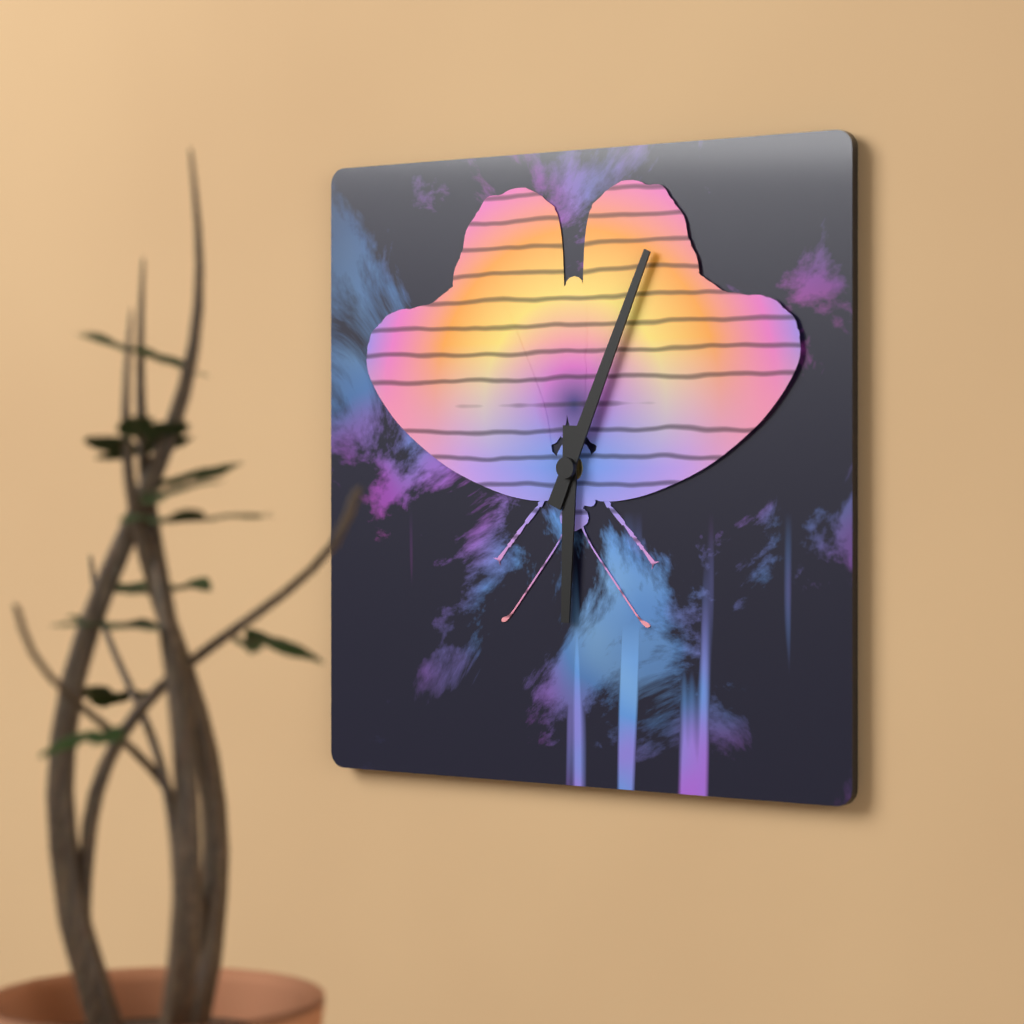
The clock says {"hour": 6, "minute": 4}
